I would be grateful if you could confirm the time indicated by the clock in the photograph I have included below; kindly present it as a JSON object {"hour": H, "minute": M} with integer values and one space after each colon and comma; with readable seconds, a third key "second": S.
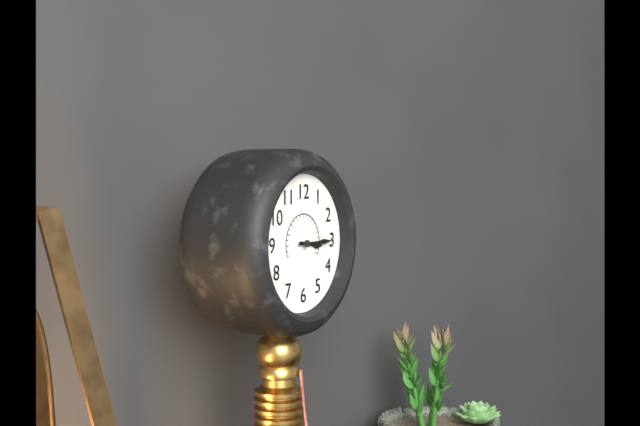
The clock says {"hour": 3, "minute": 15}
